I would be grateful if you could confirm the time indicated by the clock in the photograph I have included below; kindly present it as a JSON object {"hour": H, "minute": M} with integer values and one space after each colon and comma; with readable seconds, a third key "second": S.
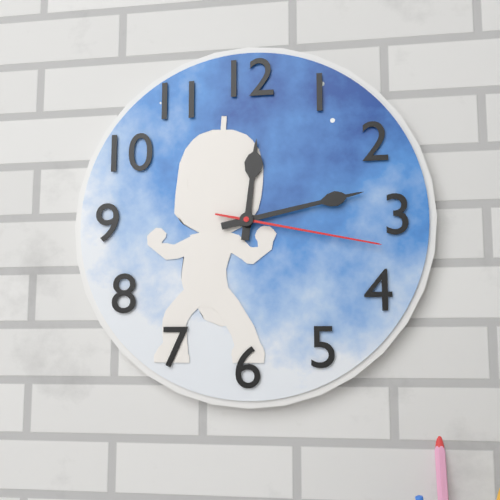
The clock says {"hour": 12, "minute": 13, "second": 17}
